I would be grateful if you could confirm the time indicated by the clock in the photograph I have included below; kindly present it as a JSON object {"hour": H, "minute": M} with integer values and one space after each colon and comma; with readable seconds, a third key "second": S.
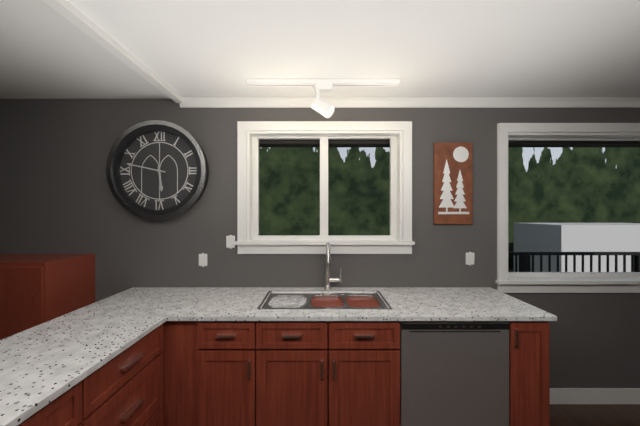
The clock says {"hour": 5, "minute": 47}
